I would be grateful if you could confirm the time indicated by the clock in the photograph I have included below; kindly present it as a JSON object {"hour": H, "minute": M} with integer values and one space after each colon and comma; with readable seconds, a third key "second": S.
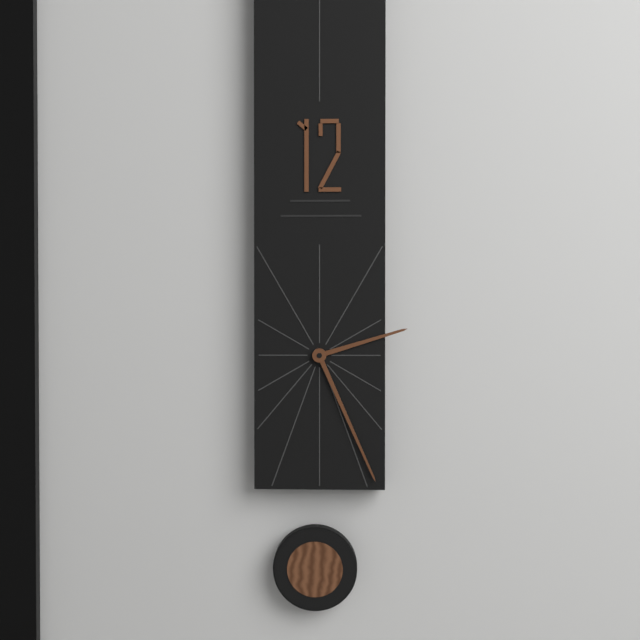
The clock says {"hour": 2, "minute": 26}
